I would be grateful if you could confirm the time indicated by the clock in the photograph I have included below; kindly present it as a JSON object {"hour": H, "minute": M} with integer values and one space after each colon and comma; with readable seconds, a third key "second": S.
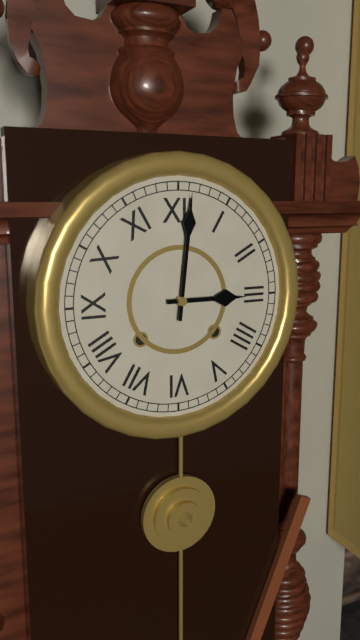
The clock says {"hour": 3, "minute": 1}
